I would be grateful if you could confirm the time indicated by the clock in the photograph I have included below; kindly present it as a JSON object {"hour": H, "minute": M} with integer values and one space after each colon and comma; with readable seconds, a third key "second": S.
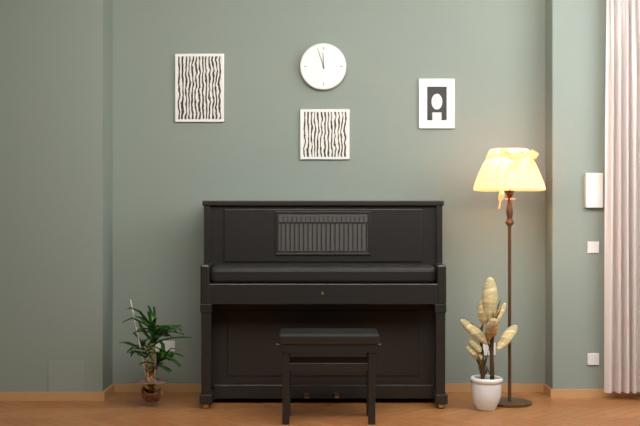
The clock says {"hour": 11, "minute": 57}
